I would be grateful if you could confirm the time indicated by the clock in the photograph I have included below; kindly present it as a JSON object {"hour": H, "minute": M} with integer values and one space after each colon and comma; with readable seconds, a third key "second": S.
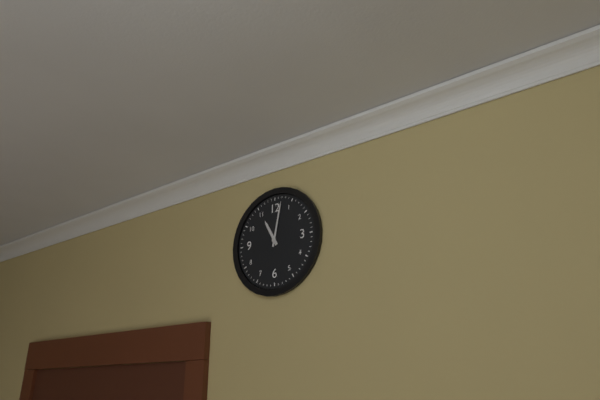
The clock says {"hour": 11, "minute": 2}
